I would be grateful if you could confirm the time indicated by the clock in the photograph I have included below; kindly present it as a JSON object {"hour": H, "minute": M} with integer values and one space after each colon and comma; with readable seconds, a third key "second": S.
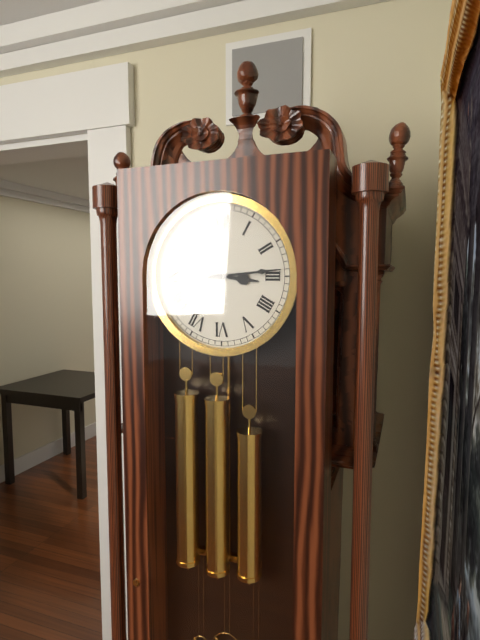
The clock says {"hour": 3, "minute": 14}
